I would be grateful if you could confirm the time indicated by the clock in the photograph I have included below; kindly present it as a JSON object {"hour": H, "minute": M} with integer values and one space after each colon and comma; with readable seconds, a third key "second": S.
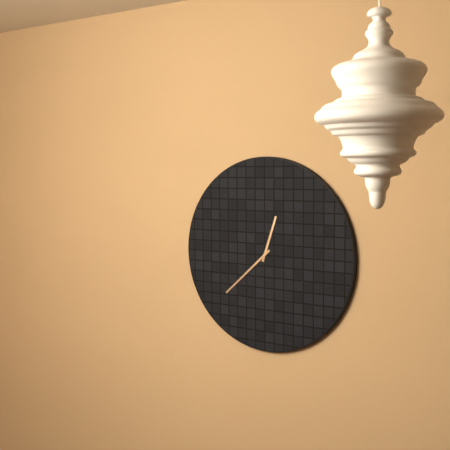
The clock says {"hour": 12, "minute": 38}
